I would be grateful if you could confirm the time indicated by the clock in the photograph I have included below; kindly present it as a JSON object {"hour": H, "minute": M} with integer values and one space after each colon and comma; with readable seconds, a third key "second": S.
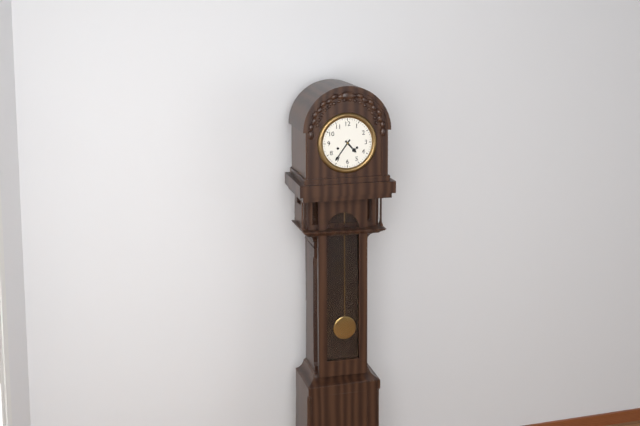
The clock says {"hour": 4, "minute": 36}
